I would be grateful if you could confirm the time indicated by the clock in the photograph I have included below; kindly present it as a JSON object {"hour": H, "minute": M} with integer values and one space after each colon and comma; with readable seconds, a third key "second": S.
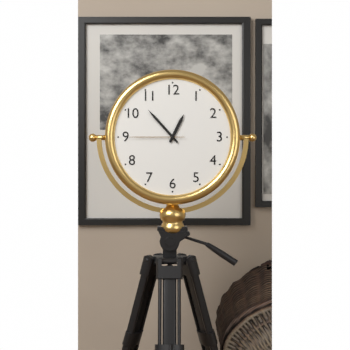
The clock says {"hour": 12, "minute": 53, "second": 45}
